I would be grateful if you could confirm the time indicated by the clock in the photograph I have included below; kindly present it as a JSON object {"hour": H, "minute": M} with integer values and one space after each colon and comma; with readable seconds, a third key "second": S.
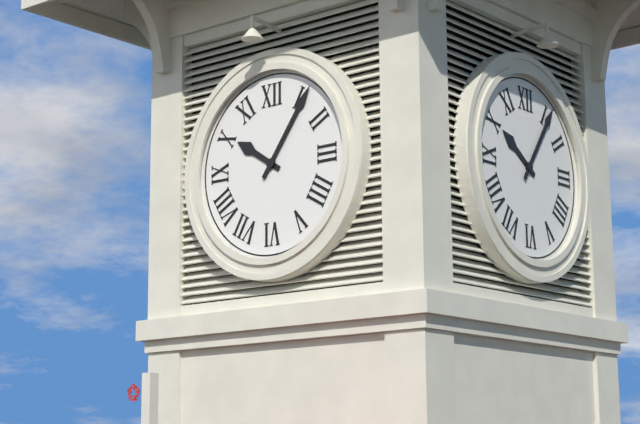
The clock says {"hour": 10, "minute": 6}
